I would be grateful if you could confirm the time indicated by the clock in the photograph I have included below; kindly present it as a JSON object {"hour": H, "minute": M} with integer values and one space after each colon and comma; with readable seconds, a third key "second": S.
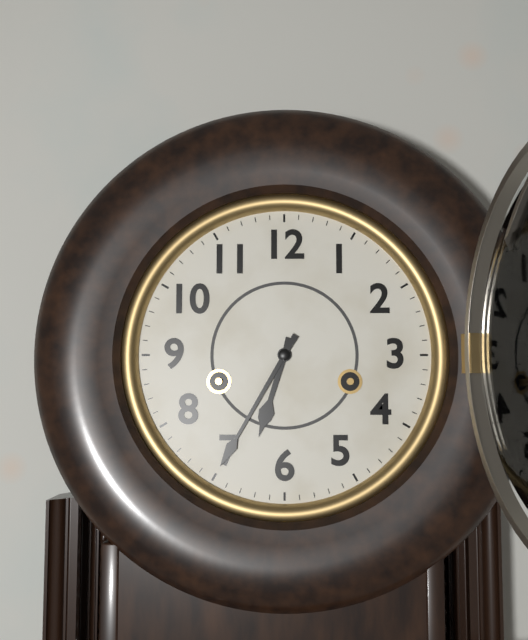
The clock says {"hour": 6, "minute": 35}
